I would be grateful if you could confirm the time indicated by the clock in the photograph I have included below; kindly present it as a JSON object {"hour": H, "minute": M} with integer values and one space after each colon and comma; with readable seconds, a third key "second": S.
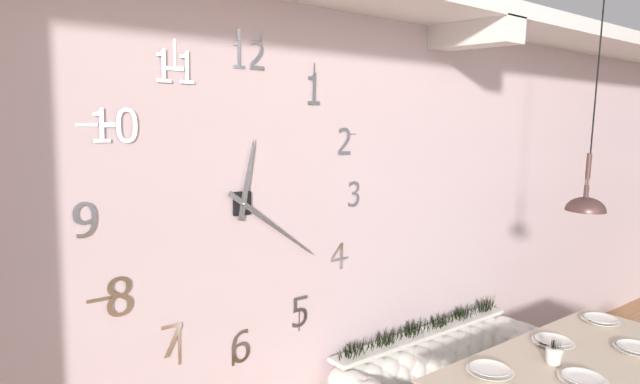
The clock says {"hour": 12, "minute": 21}
